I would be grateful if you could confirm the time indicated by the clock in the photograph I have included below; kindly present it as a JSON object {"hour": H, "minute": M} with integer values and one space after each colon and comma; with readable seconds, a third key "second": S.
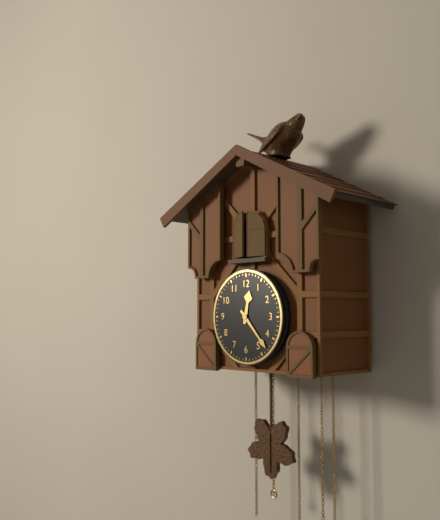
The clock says {"hour": 12, "minute": 23}
